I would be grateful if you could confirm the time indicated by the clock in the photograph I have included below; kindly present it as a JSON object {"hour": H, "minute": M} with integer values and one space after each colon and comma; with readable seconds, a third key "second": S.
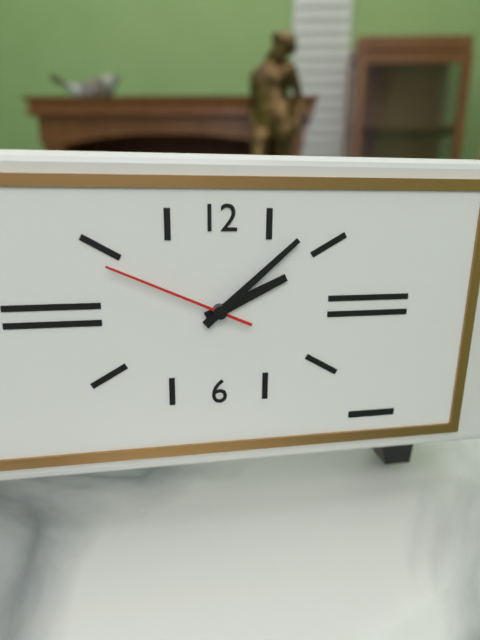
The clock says {"hour": 2, "minute": 8, "second": 49}
